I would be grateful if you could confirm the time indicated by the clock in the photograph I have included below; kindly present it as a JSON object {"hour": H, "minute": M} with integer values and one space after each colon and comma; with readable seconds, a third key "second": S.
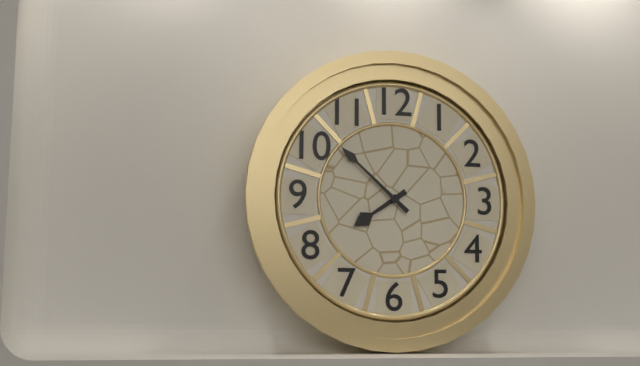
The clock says {"hour": 7, "minute": 52}
